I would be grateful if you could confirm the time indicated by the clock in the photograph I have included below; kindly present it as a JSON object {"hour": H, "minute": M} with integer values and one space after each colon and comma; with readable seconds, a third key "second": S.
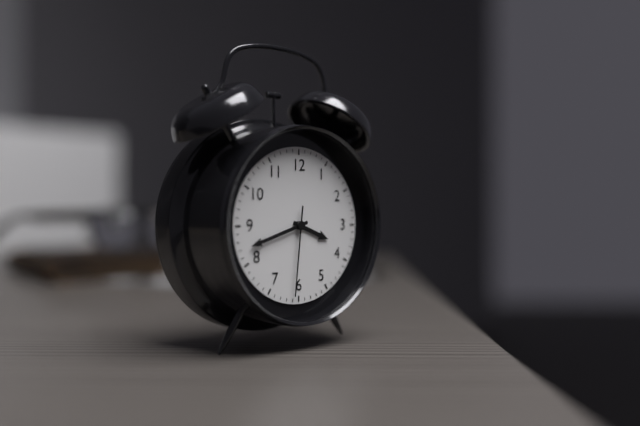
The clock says {"hour": 3, "minute": 42, "second": 31}
